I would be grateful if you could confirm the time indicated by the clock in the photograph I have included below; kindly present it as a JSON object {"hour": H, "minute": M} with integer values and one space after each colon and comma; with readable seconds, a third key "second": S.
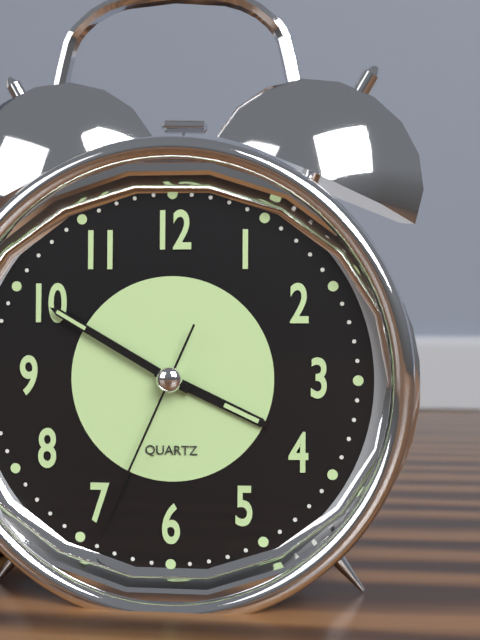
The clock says {"hour": 3, "minute": 50, "second": 34}
